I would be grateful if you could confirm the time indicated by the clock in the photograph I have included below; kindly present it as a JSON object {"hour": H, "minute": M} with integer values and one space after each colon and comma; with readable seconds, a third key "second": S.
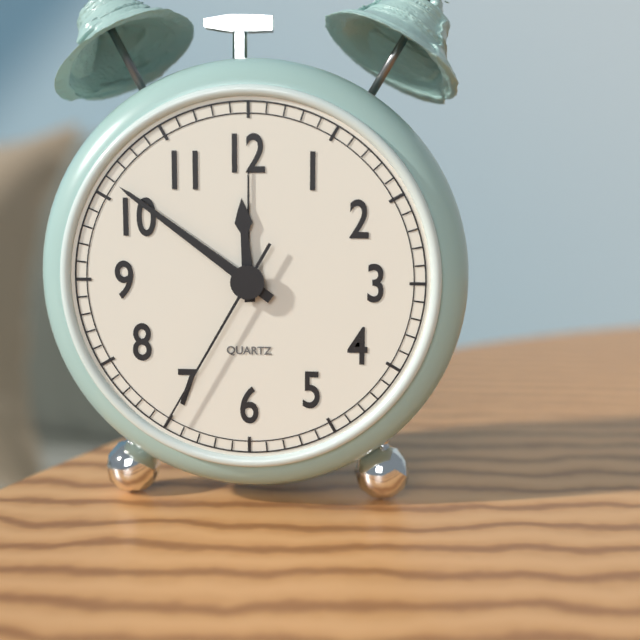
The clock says {"hour": 11, "minute": 51, "second": 35}
